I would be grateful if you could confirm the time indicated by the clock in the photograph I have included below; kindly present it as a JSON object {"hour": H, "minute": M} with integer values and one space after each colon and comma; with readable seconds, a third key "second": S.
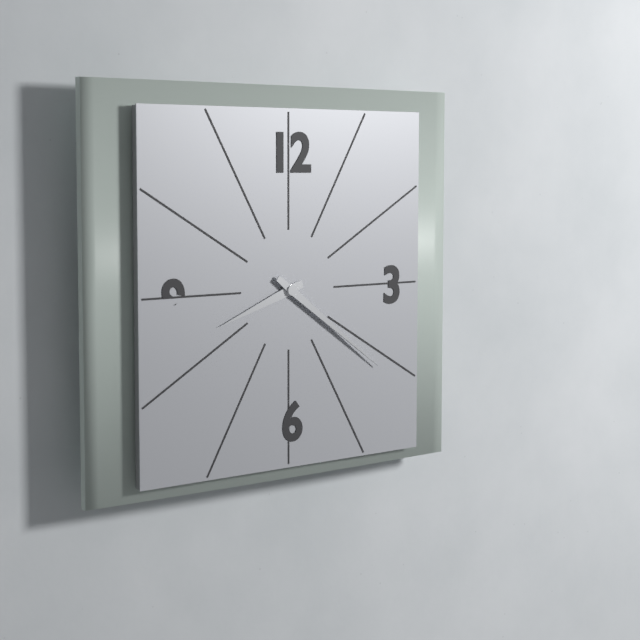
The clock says {"hour": 8, "minute": 21}
